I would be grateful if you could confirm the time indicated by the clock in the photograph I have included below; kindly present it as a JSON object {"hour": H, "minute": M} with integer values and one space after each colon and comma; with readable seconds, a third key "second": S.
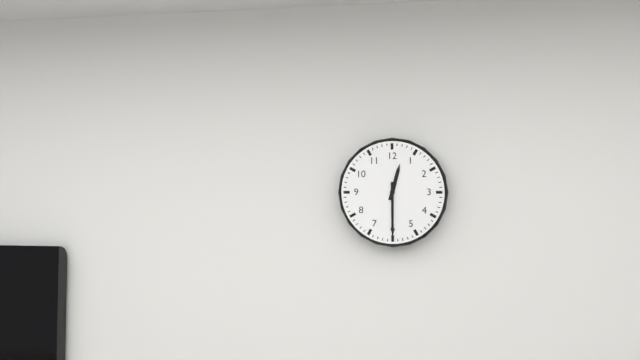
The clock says {"hour": 12, "minute": 30}
